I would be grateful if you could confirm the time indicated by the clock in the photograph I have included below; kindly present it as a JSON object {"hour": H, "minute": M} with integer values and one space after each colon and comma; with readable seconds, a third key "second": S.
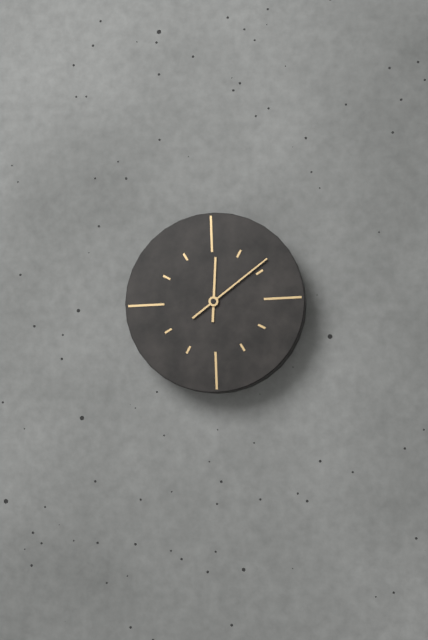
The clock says {"hour": 12, "minute": 9}
